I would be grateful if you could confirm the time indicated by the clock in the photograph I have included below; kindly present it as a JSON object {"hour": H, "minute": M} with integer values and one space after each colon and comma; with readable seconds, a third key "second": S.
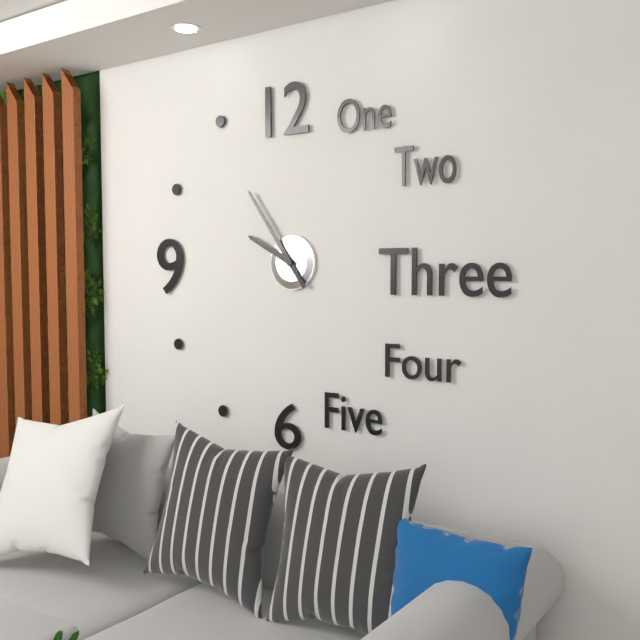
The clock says {"hour": 9, "minute": 54}
